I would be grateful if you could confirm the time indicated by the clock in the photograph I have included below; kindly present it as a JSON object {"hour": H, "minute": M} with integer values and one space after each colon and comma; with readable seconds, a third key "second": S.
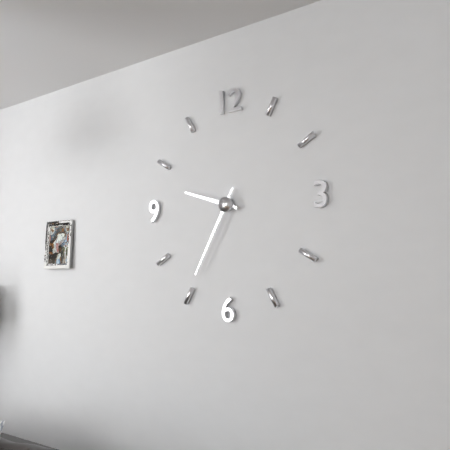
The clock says {"hour": 9, "minute": 35}
